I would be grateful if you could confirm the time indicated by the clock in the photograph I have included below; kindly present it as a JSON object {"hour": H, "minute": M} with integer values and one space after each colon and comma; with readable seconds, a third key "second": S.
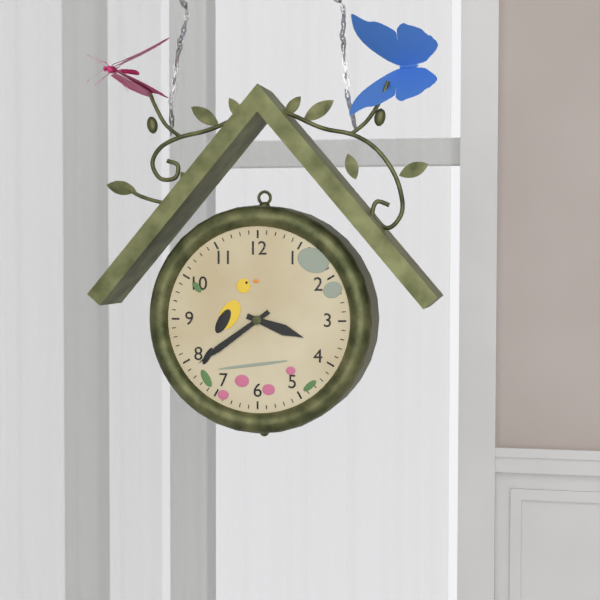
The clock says {"hour": 3, "minute": 39}
